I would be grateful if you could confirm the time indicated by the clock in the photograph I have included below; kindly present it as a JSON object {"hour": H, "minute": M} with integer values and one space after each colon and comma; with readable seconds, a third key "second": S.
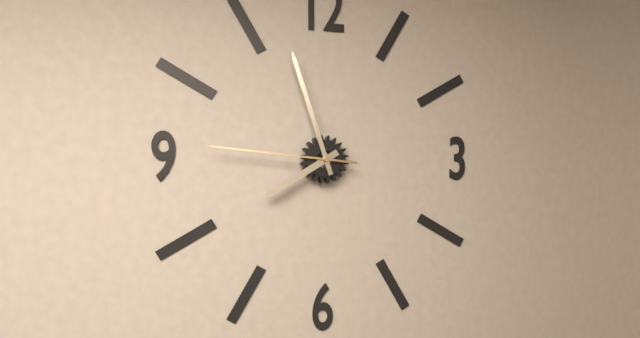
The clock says {"hour": 7, "minute": 57, "second": 46}
